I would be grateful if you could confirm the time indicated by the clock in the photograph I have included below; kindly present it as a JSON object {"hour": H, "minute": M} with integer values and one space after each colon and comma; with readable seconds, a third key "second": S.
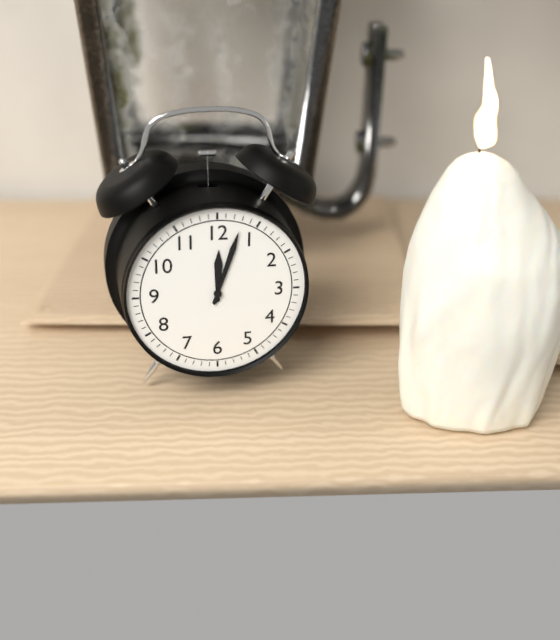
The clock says {"hour": 12, "minute": 3}
